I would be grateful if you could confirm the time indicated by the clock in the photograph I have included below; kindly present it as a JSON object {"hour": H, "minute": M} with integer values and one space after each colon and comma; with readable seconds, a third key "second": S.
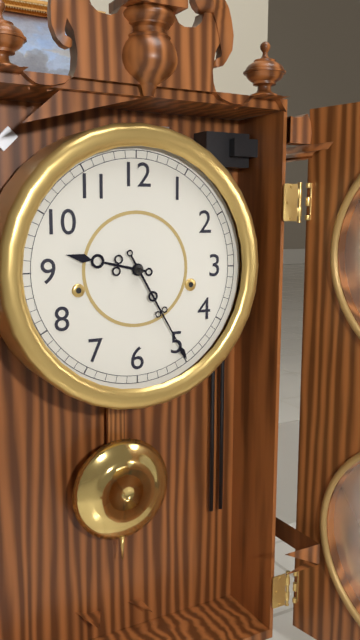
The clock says {"hour": 9, "minute": 25}
